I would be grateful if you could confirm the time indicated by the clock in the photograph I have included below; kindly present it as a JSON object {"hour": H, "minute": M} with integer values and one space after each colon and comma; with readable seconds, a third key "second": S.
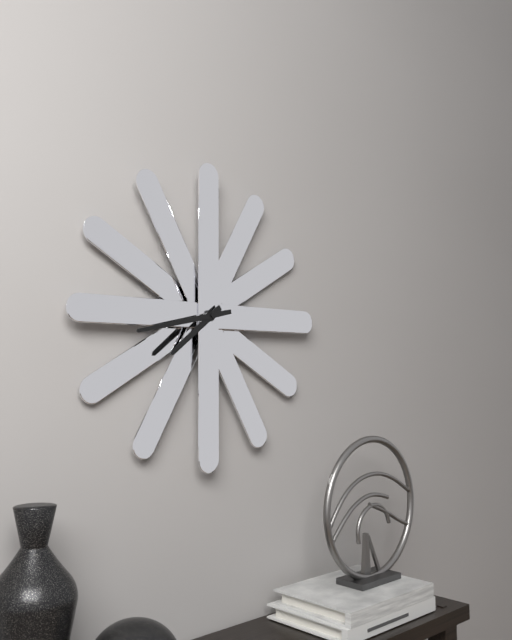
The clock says {"hour": 7, "minute": 43}
